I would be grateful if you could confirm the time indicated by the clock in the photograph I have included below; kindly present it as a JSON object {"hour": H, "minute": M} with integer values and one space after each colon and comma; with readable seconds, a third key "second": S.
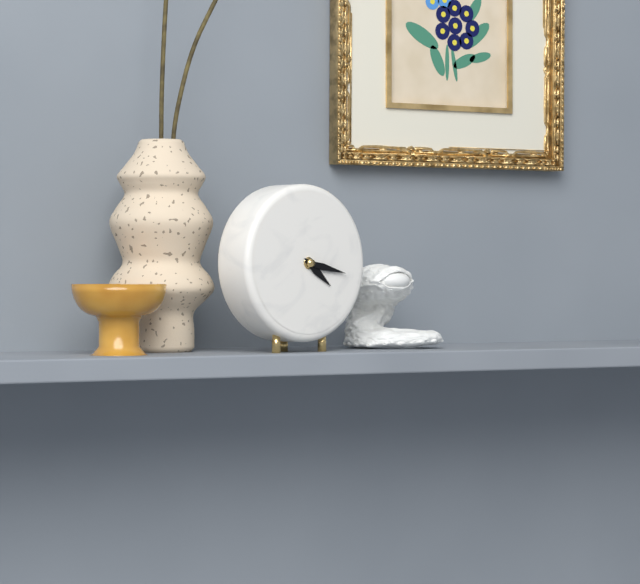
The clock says {"hour": 4, "minute": 17}
